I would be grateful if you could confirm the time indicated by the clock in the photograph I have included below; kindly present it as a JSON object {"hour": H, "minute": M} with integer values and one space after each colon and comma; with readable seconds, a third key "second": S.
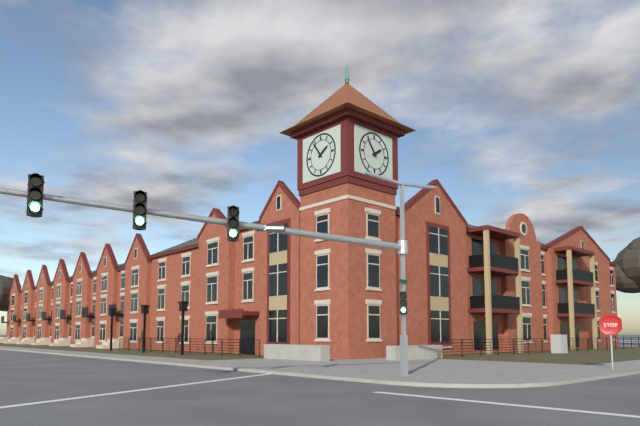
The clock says {"hour": 1, "minute": 54}
